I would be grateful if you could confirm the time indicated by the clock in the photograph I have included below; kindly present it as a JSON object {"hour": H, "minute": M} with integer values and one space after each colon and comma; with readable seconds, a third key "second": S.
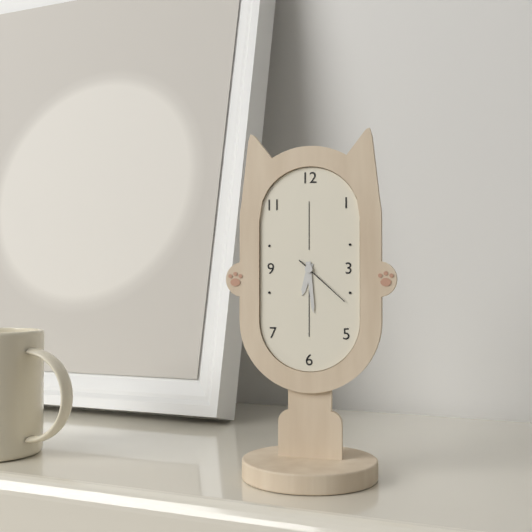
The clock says {"hour": 6, "minute": 29, "second": 22}
